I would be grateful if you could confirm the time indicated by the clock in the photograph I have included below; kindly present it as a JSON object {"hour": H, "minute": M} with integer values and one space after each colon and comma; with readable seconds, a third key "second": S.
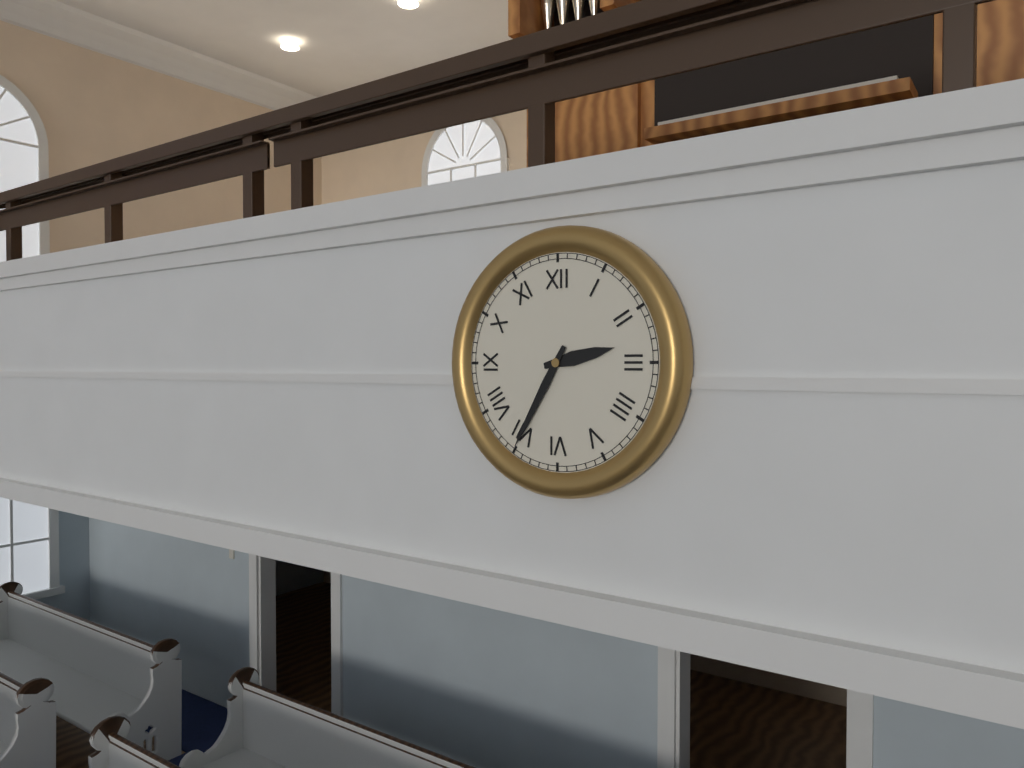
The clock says {"hour": 2, "minute": 35}
